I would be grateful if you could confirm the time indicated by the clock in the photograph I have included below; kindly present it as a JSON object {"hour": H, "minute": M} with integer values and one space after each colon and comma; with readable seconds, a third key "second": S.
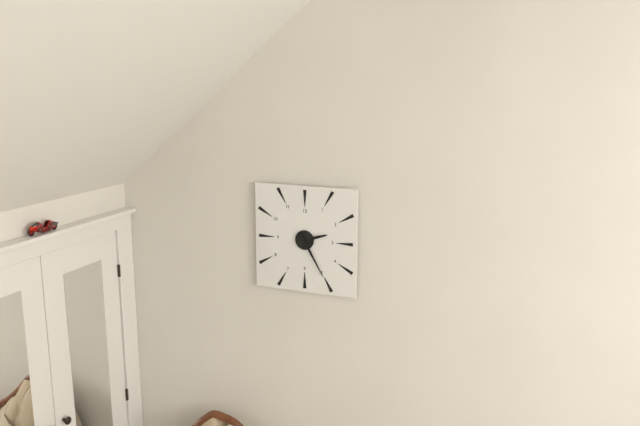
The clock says {"hour": 2, "minute": 25}
